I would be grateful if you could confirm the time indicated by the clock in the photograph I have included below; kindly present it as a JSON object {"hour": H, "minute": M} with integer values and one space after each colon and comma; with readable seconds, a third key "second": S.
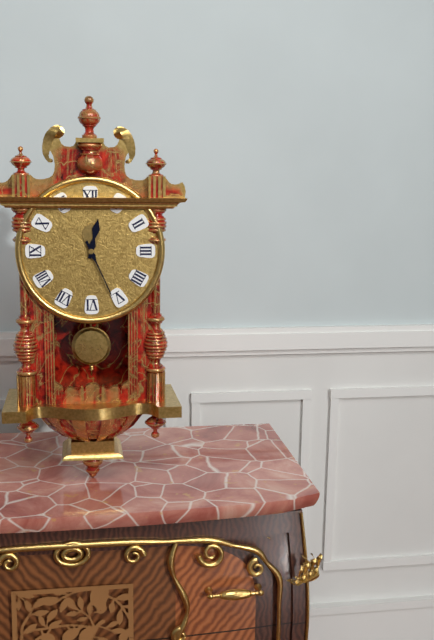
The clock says {"hour": 12, "minute": 26}
